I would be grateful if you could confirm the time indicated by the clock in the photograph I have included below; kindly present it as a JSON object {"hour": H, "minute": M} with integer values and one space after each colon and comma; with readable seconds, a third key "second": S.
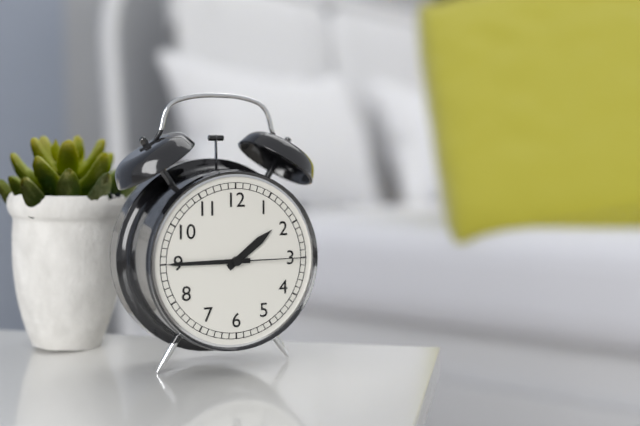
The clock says {"hour": 1, "minute": 45, "second": 15}
